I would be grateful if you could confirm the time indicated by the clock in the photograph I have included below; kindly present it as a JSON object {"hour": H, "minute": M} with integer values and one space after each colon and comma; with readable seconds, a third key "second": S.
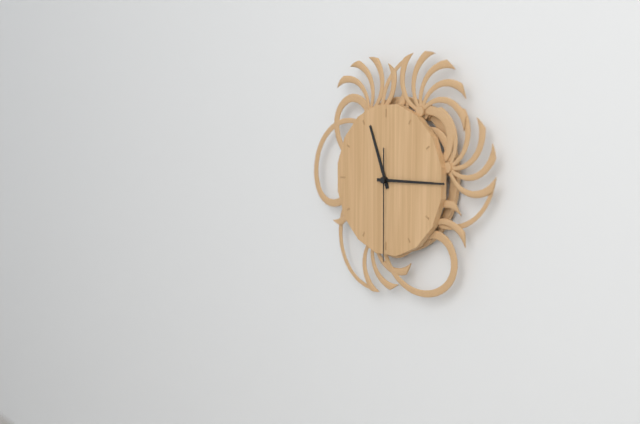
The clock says {"hour": 11, "minute": 15, "second": 30}
